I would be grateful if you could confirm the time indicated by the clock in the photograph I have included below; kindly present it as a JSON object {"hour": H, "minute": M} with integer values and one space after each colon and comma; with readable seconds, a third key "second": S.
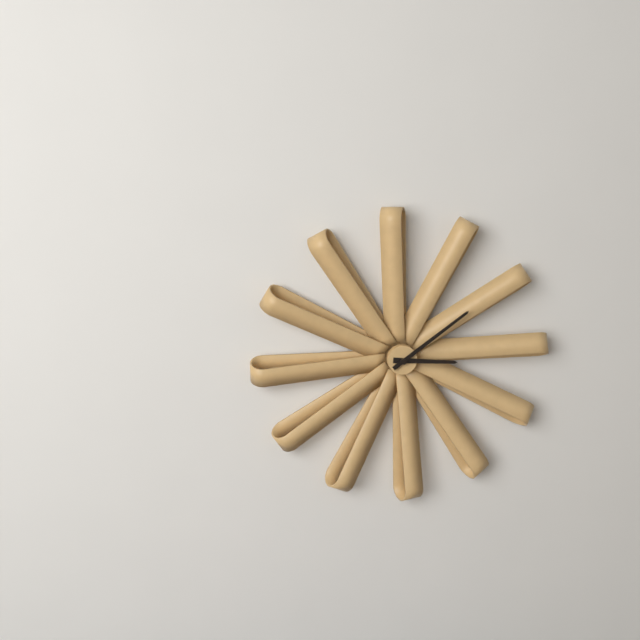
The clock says {"hour": 3, "minute": 9}
